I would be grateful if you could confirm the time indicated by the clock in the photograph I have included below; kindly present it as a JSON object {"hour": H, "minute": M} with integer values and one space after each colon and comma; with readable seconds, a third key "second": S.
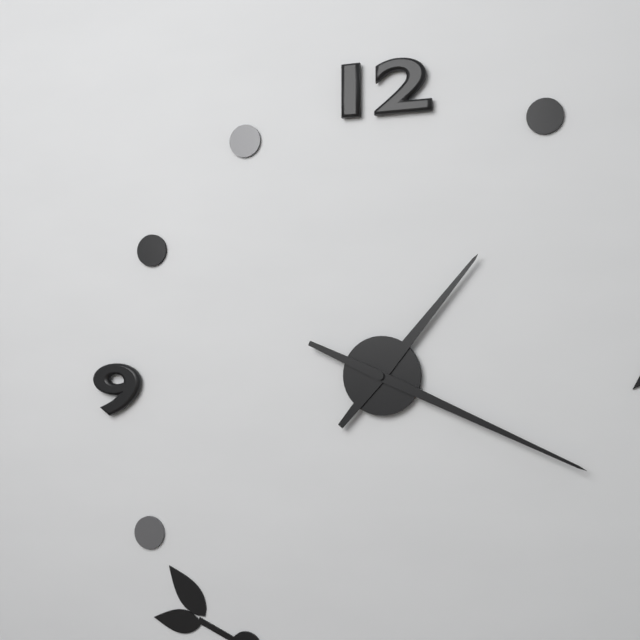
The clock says {"hour": 1, "minute": 19}
